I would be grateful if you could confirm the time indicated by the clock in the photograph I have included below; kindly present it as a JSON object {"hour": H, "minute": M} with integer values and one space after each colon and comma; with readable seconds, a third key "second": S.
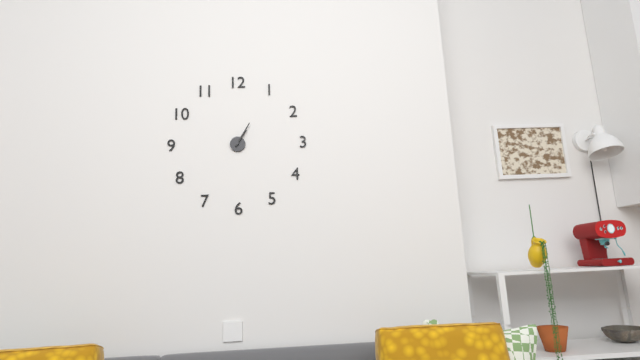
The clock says {"hour": 1, "minute": 5}
